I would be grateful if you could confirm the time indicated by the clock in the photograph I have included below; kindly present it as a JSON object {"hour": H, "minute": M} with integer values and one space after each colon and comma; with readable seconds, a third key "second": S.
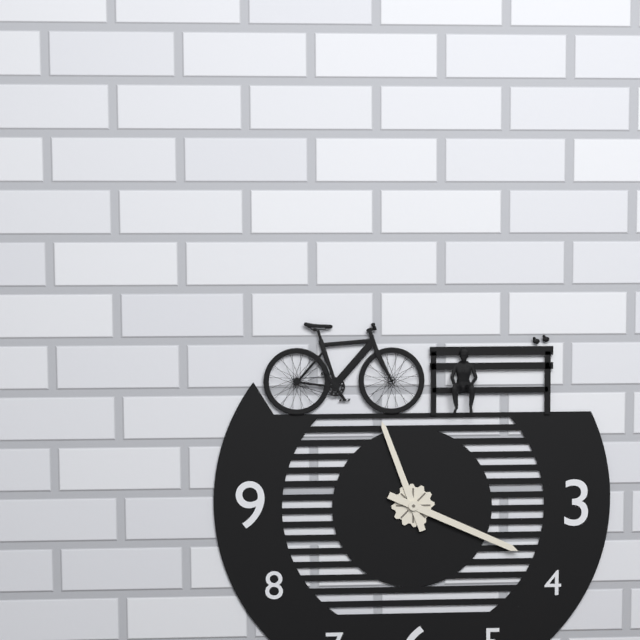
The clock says {"hour": 11, "minute": 19}
